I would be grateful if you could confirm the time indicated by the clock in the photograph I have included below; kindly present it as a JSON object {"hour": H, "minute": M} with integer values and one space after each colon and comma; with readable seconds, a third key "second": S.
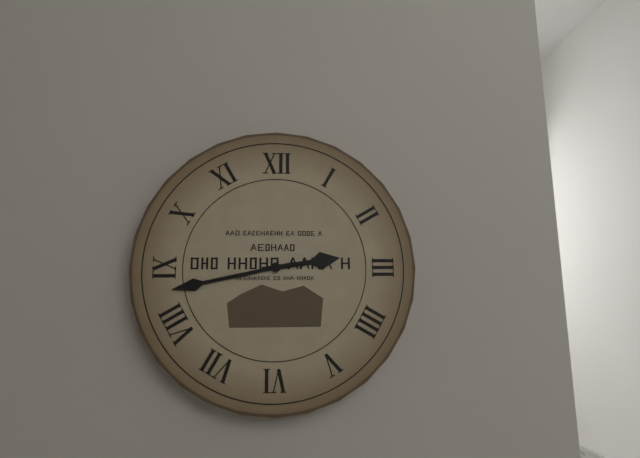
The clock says {"hour": 2, "minute": 43}
